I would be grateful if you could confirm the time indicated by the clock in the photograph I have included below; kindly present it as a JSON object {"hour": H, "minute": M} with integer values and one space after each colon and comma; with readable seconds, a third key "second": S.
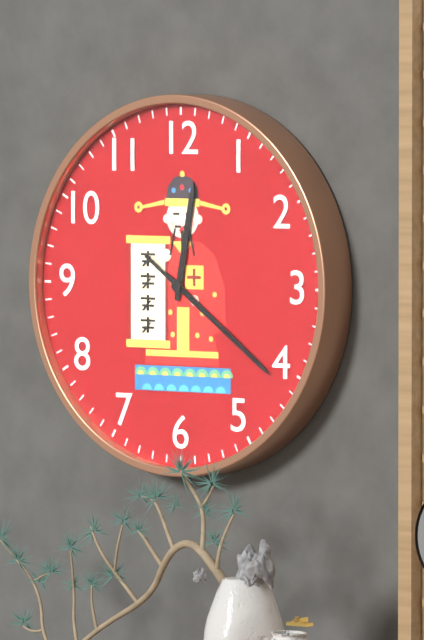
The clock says {"hour": 12, "minute": 21, "second": 21}
